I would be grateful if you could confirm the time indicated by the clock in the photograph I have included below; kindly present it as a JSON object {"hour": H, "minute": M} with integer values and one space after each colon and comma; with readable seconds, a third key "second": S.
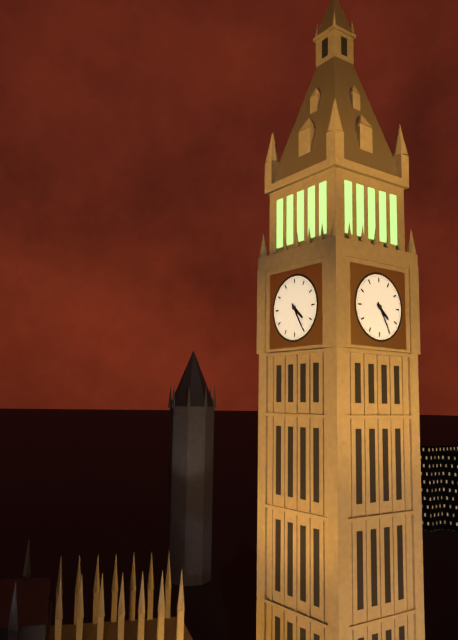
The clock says {"hour": 4, "minute": 25}
